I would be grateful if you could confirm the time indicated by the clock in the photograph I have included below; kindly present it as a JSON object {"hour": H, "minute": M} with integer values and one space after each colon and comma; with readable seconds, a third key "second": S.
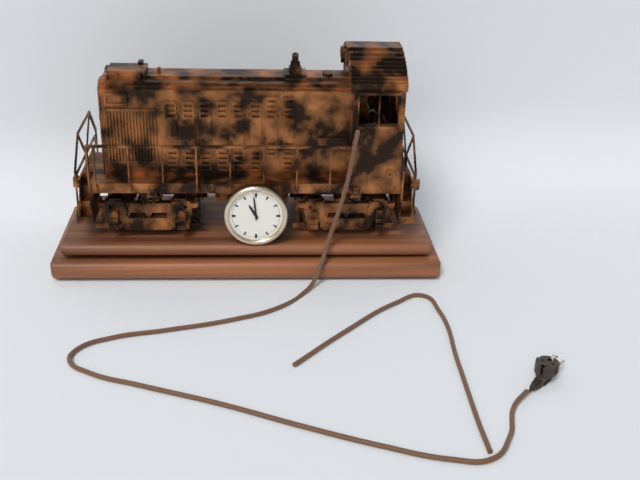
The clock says {"hour": 10, "minute": 59}
